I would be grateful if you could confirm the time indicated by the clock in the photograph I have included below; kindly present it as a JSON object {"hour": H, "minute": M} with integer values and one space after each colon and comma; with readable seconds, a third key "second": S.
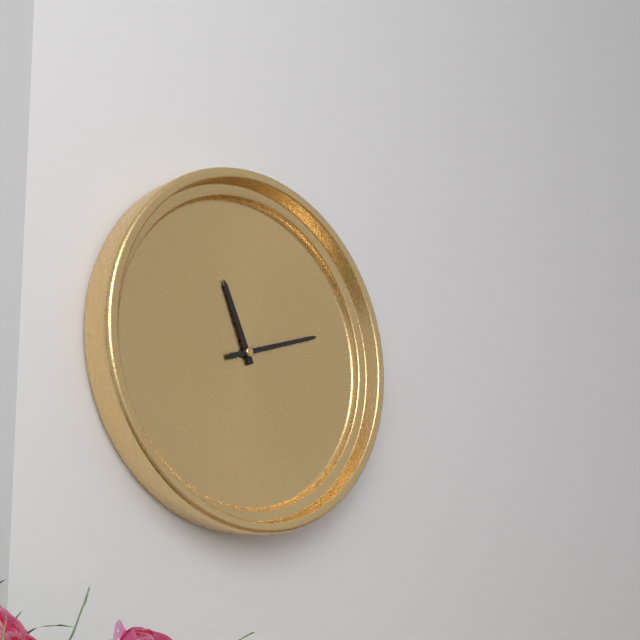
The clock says {"hour": 11, "minute": 12}
